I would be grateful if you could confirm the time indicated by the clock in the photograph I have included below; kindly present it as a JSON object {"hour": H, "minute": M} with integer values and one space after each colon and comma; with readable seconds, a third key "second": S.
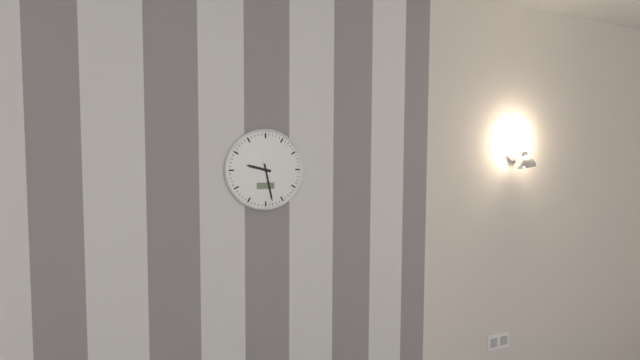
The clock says {"hour": 9, "minute": 28}
